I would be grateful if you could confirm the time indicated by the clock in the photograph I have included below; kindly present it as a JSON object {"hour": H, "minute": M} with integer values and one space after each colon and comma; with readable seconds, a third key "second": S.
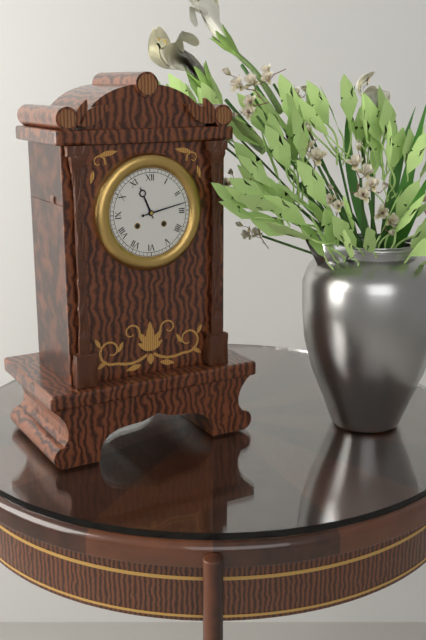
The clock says {"hour": 11, "minute": 13}
